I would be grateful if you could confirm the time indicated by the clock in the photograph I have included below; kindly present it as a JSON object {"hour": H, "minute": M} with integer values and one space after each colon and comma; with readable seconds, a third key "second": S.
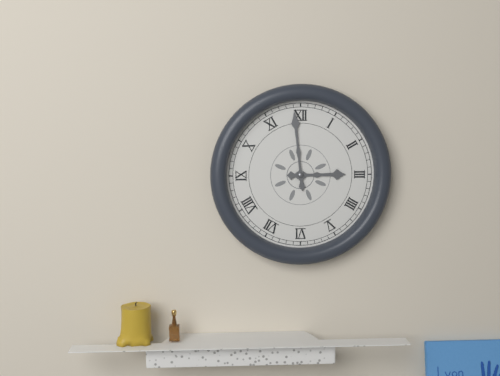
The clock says {"hour": 2, "minute": 59}
